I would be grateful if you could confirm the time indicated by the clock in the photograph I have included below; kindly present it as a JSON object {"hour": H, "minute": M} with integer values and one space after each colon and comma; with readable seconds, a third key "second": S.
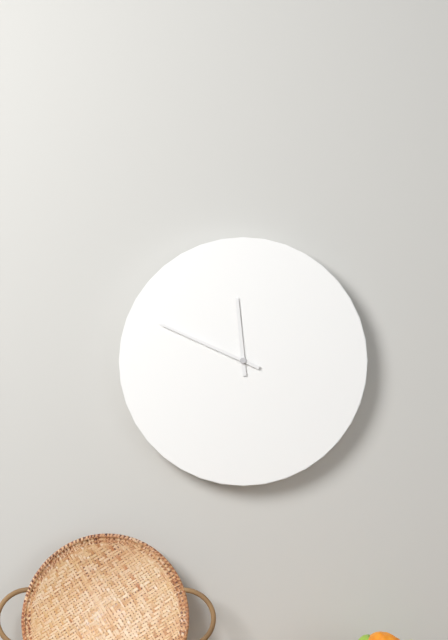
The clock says {"hour": 11, "minute": 49}
